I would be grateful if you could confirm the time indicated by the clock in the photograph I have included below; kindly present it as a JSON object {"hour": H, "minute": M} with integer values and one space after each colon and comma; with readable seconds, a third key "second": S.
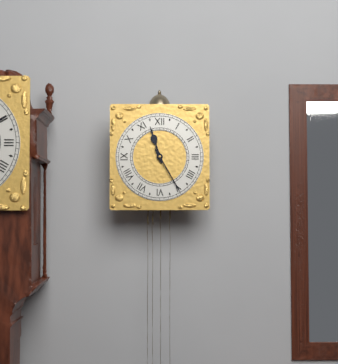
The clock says {"hour": 11, "minute": 25}
